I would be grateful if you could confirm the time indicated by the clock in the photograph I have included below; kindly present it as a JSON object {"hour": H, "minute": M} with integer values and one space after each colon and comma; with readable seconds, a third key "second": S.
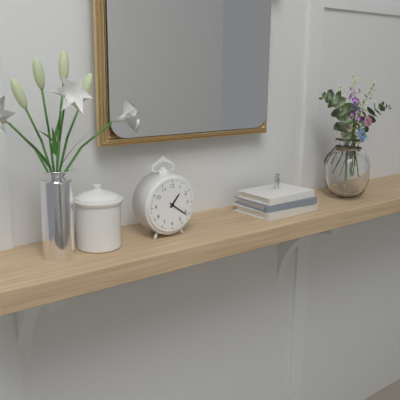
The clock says {"hour": 1, "minute": 21}
